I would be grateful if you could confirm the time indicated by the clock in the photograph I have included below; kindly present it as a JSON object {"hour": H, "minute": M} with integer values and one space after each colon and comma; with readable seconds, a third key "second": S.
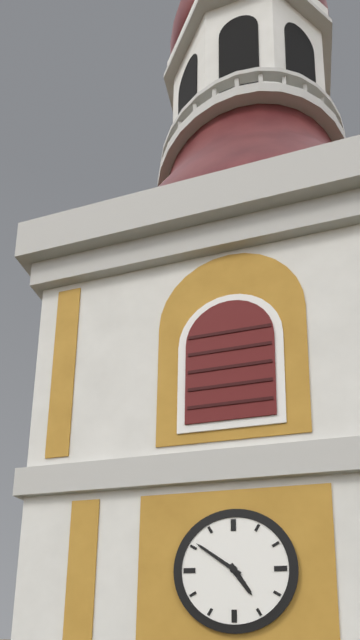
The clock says {"hour": 4, "minute": 51}
